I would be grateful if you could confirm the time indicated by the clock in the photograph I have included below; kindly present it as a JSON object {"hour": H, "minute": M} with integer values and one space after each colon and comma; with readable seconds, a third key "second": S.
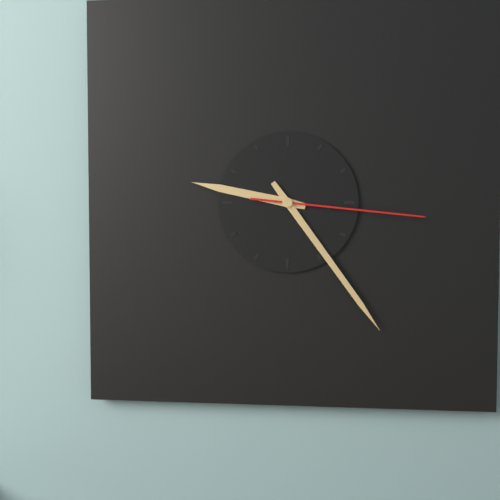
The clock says {"hour": 9, "minute": 24, "second": 16}
